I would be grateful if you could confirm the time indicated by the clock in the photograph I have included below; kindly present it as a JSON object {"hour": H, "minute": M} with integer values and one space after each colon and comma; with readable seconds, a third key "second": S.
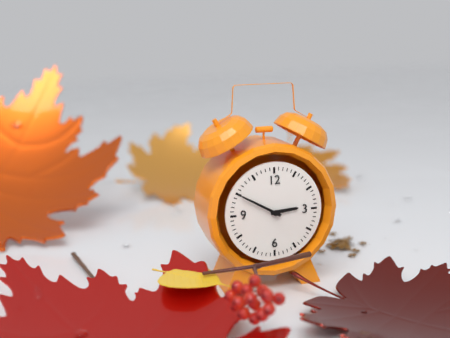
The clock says {"hour": 2, "minute": 50}
